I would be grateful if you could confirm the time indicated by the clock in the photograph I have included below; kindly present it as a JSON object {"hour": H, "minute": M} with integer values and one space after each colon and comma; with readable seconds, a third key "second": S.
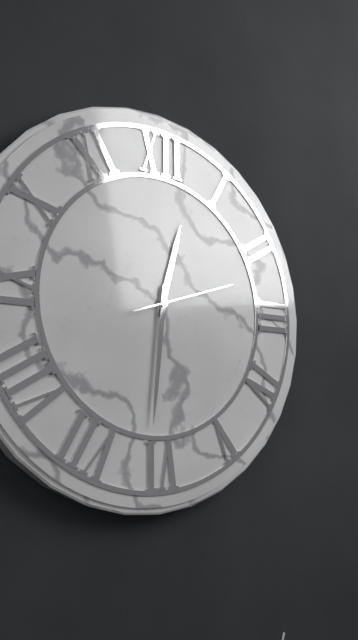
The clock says {"hour": 12, "minute": 31, "second": 12}
